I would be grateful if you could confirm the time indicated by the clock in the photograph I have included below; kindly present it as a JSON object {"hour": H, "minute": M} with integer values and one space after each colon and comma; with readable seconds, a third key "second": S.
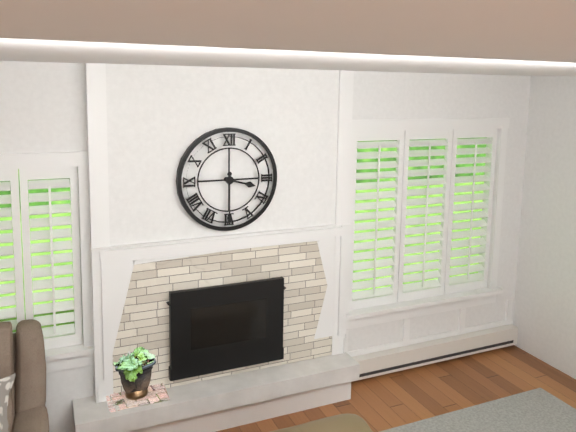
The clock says {"hour": 3, "minute": 30}
